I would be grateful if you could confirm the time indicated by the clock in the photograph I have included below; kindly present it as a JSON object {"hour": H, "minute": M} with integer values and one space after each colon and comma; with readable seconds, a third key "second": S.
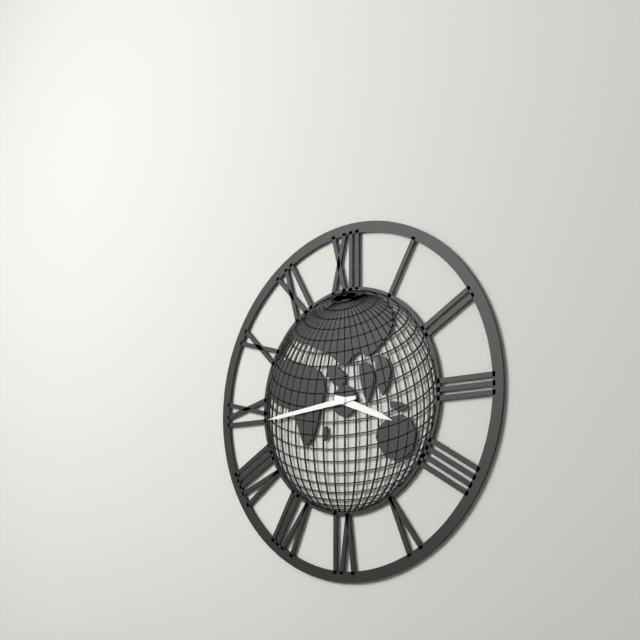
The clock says {"hour": 3, "minute": 44}
